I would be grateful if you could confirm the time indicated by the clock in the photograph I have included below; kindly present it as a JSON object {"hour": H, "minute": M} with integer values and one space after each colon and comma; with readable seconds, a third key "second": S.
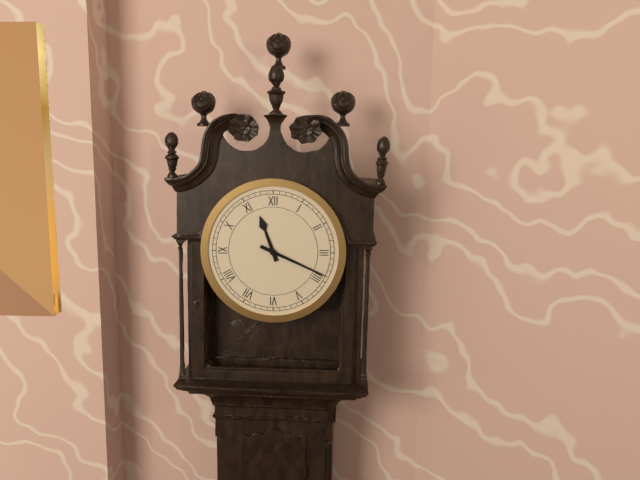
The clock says {"hour": 11, "minute": 19}
